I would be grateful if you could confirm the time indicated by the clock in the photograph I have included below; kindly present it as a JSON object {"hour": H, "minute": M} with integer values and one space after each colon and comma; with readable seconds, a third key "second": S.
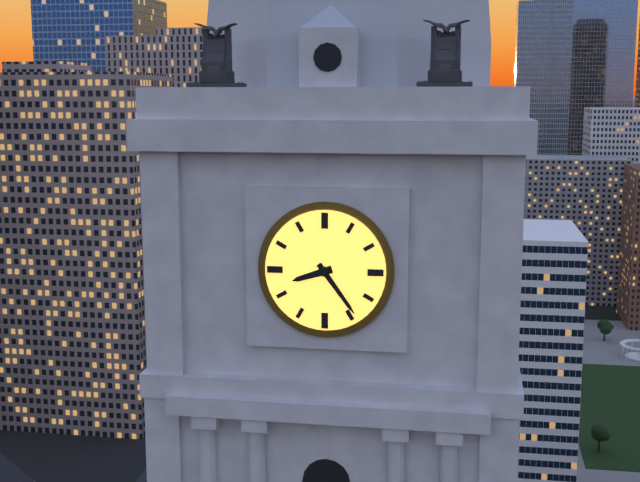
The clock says {"hour": 8, "minute": 24}
